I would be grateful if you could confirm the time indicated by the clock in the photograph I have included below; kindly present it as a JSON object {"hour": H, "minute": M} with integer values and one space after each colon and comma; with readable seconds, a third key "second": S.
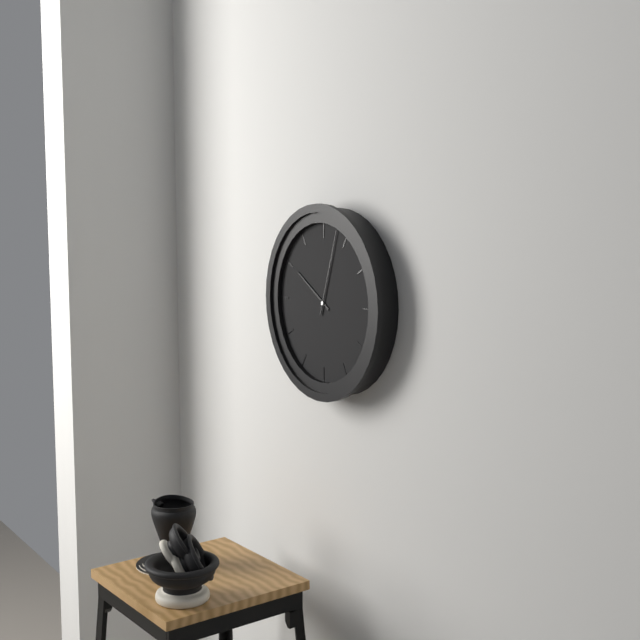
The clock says {"hour": 10, "minute": 3}
